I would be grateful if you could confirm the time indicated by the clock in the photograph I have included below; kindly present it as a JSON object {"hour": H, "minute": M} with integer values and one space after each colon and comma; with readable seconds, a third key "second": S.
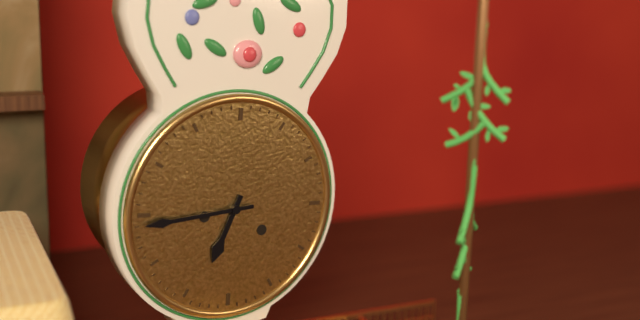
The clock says {"hour": 6, "minute": 44}
